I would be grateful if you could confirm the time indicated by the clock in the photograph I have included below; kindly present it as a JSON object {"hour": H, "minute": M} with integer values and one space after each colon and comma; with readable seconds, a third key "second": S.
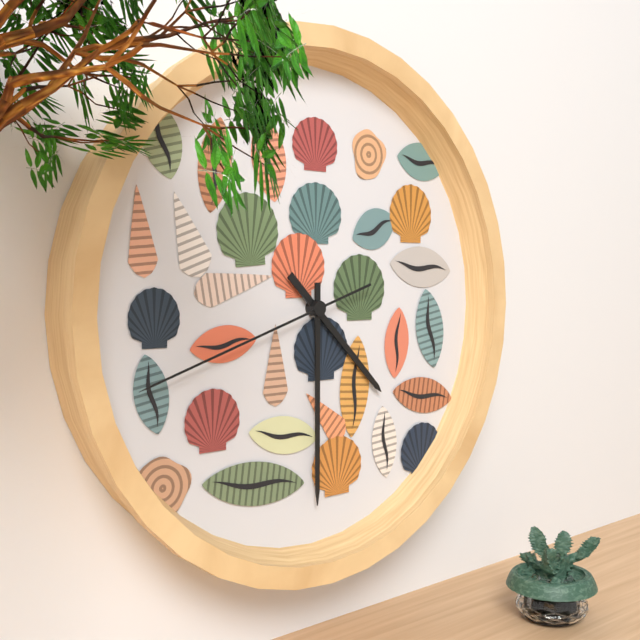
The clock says {"hour": 4, "minute": 30, "second": 42}
